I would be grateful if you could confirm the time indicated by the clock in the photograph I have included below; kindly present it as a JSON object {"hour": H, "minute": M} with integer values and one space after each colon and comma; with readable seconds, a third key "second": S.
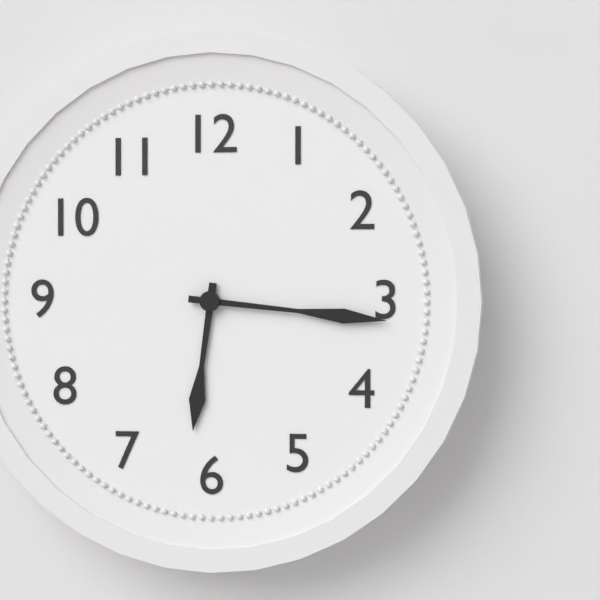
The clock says {"hour": 6, "minute": 16}
